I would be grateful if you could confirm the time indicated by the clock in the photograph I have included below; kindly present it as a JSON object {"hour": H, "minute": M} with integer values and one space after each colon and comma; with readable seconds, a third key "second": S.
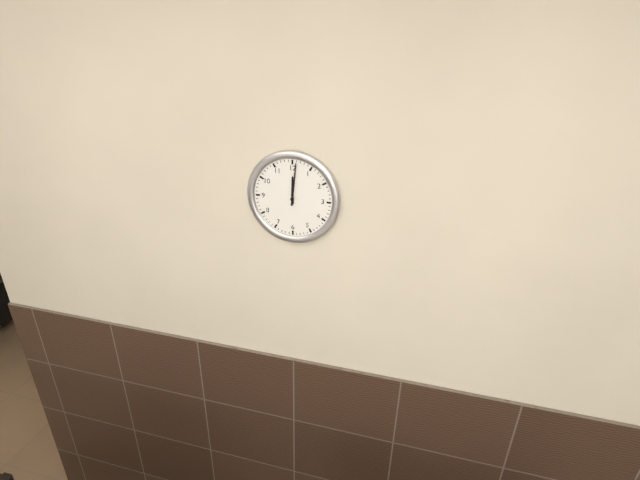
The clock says {"hour": 12, "minute": 1}
